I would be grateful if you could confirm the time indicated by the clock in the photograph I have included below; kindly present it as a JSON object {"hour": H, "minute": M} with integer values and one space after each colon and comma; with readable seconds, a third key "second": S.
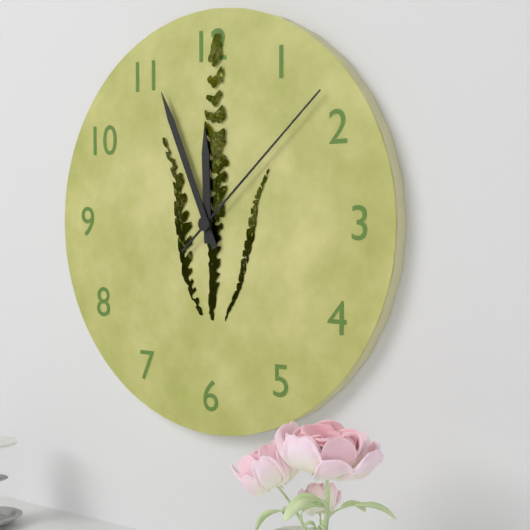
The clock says {"hour": 11, "minute": 56, "second": 8}
